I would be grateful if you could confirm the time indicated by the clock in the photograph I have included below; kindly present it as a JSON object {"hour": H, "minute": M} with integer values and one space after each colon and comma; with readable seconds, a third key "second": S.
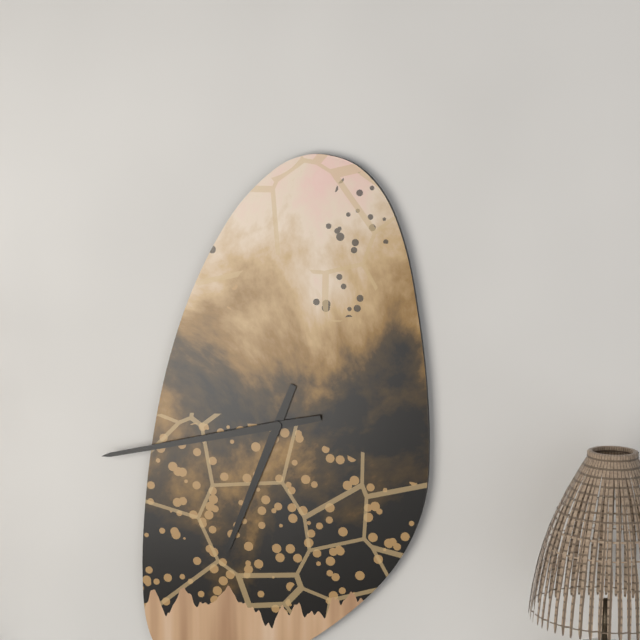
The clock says {"hour": 6, "minute": 43}
